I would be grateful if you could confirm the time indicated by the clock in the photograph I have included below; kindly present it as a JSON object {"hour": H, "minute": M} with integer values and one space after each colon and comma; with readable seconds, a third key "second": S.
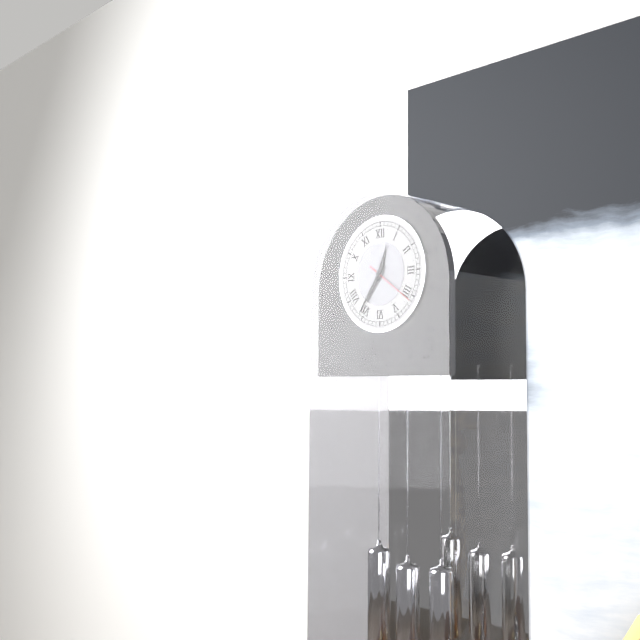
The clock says {"hour": 12, "minute": 36, "second": 21}
